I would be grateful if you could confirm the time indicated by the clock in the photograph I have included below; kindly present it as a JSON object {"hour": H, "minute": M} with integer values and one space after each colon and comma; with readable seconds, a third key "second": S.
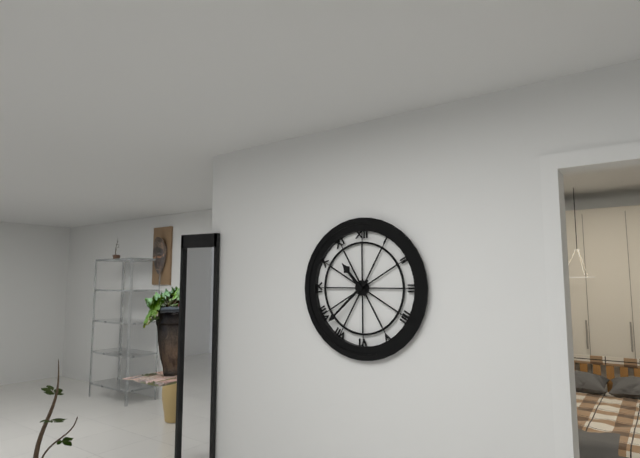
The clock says {"hour": 10, "minute": 38}
